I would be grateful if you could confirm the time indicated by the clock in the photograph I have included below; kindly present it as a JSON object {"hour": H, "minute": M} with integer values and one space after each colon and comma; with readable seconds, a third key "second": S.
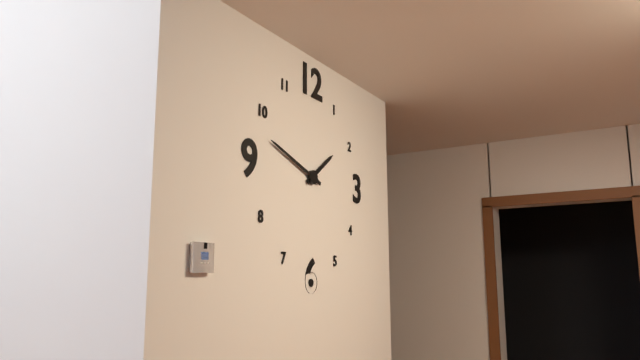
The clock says {"hour": 1, "minute": 48}
